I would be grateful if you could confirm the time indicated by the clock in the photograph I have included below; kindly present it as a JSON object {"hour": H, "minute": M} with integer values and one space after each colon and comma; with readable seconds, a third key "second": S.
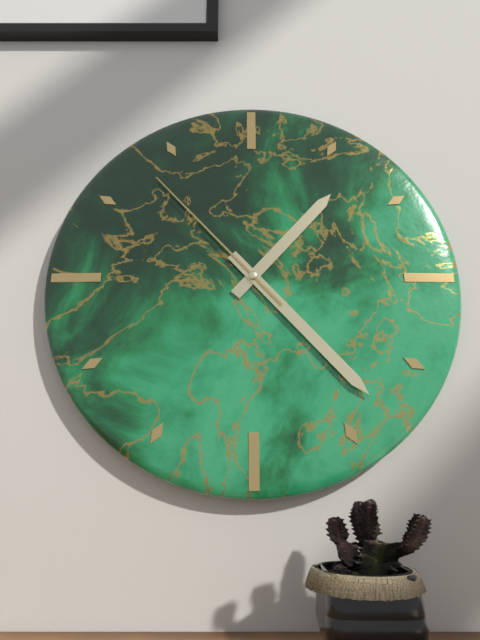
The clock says {"hour": 1, "minute": 23, "second": 53}
